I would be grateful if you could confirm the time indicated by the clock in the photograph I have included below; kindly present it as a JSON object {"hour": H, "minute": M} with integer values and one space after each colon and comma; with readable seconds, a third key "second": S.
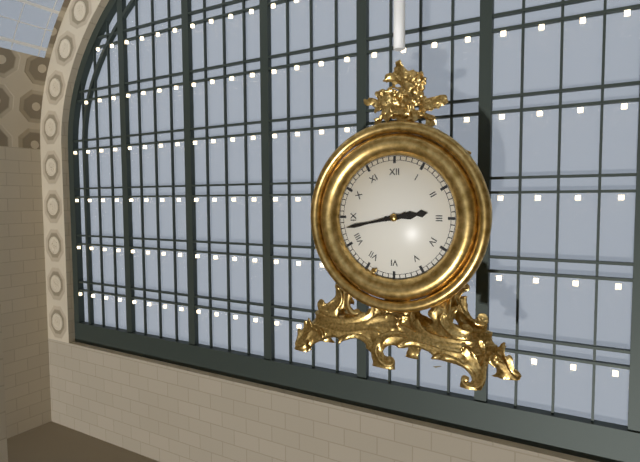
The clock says {"hour": 2, "minute": 43}
